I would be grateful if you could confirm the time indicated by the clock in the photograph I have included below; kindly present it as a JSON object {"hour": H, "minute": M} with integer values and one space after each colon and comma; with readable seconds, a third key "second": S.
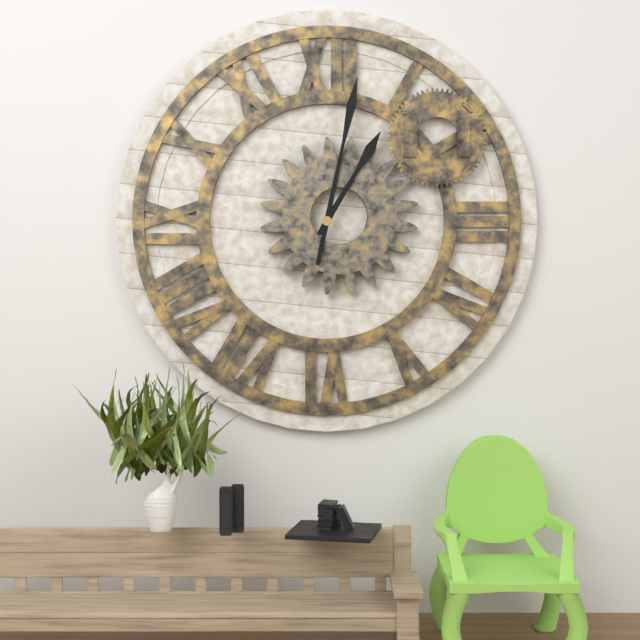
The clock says {"hour": 1, "minute": 2}
